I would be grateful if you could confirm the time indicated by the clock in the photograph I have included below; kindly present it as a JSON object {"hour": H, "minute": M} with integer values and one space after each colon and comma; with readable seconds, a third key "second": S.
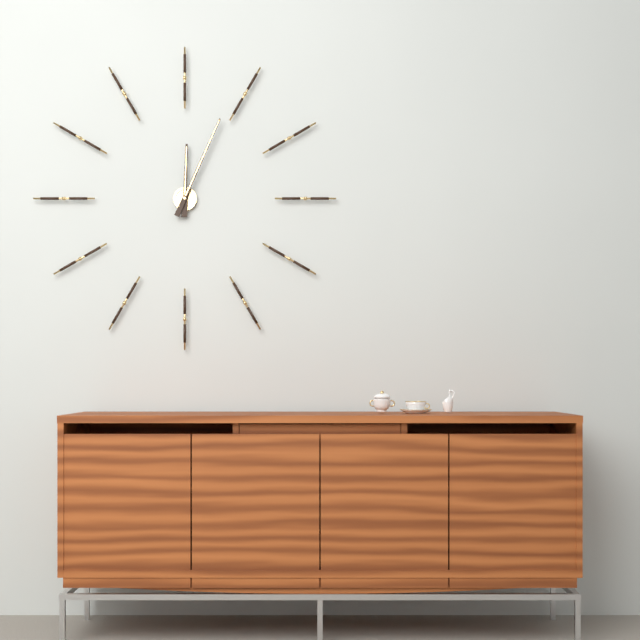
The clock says {"hour": 12, "minute": 4}
